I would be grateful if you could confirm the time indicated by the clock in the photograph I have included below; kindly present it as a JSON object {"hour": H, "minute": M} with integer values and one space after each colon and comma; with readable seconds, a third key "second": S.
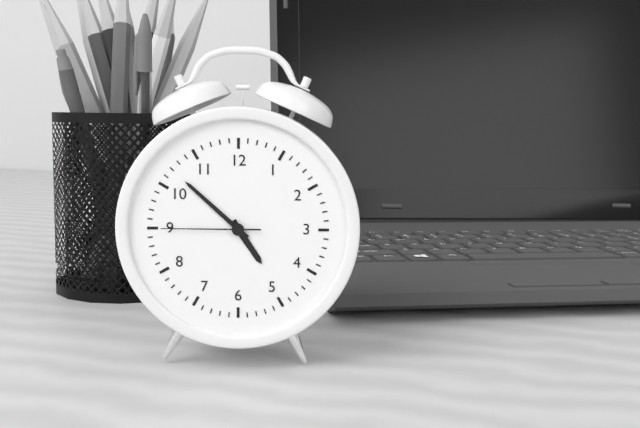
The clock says {"hour": 4, "minute": 52, "second": 45}
